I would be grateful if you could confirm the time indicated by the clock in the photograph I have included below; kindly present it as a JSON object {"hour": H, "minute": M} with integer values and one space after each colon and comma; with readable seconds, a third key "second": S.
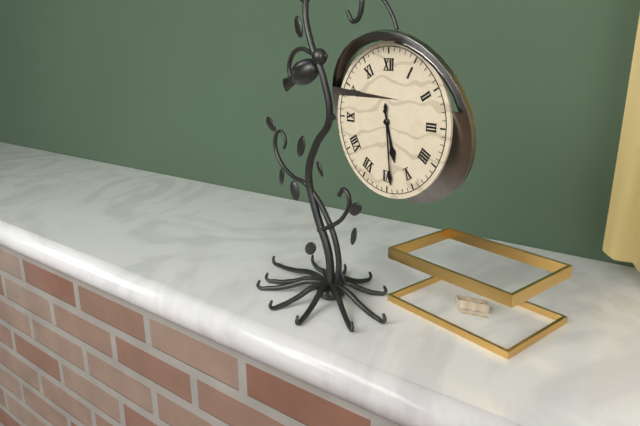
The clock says {"hour": 5, "minute": 29}
